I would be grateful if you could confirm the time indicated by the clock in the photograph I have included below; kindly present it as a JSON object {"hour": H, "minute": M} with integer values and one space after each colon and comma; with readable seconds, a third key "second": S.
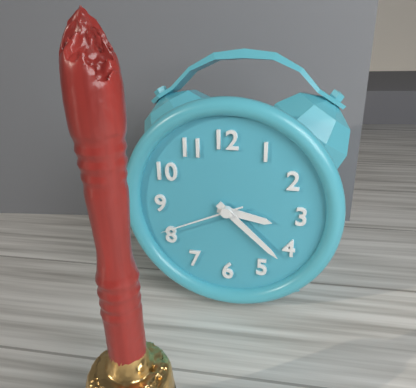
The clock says {"hour": 3, "minute": 22, "second": 41}
